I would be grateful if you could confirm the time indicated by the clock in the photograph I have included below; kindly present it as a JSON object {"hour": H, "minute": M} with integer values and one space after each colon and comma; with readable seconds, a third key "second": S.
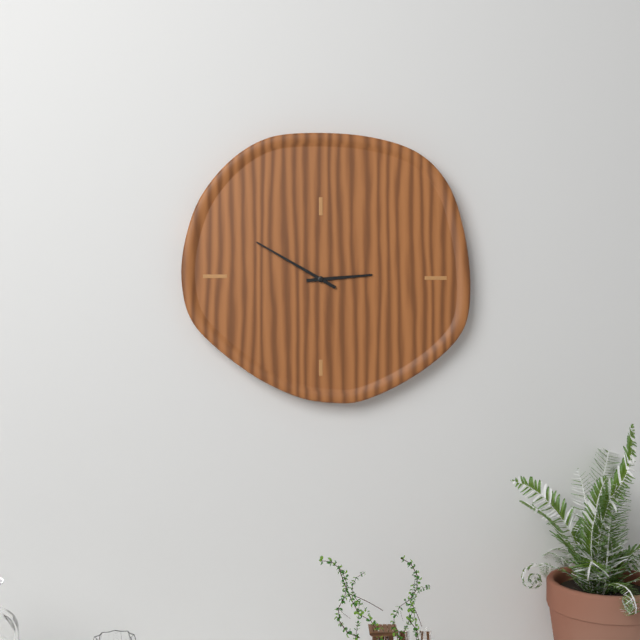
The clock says {"hour": 2, "minute": 50}
